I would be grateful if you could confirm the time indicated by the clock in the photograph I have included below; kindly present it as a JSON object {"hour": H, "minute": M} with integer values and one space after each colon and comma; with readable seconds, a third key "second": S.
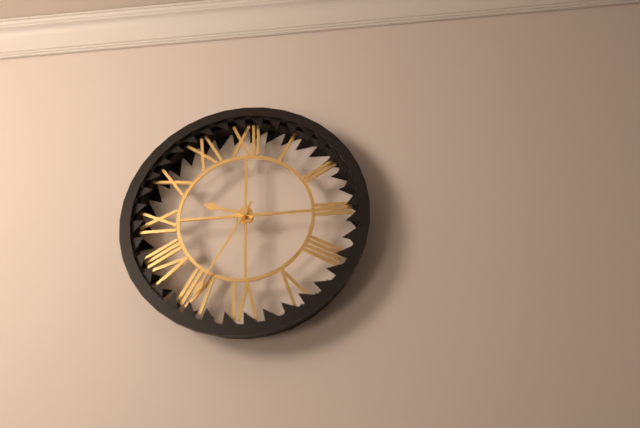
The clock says {"hour": 9, "minute": 35}
